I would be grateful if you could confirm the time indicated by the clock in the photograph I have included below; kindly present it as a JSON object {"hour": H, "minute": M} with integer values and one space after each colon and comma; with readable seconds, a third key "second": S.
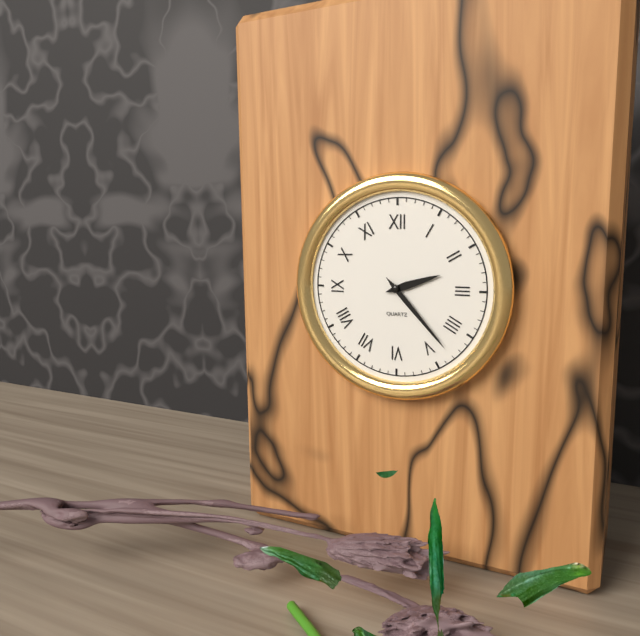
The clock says {"hour": 2, "minute": 23}
